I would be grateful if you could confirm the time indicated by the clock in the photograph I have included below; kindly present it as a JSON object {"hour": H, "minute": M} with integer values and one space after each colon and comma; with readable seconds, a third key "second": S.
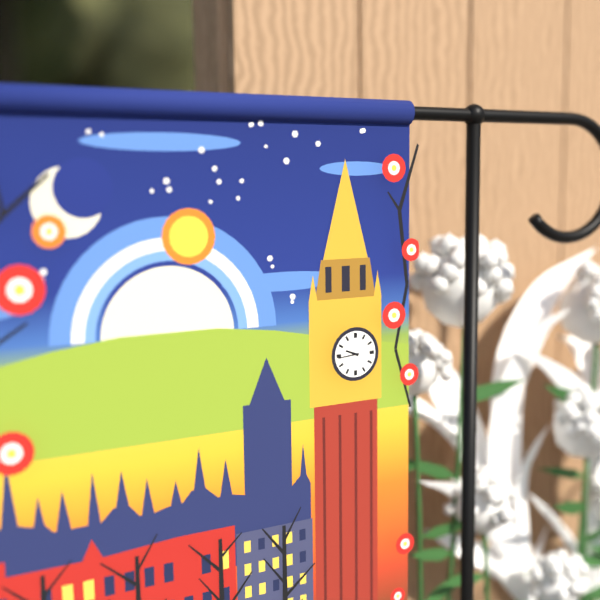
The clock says {"hour": 9, "minute": 44}
